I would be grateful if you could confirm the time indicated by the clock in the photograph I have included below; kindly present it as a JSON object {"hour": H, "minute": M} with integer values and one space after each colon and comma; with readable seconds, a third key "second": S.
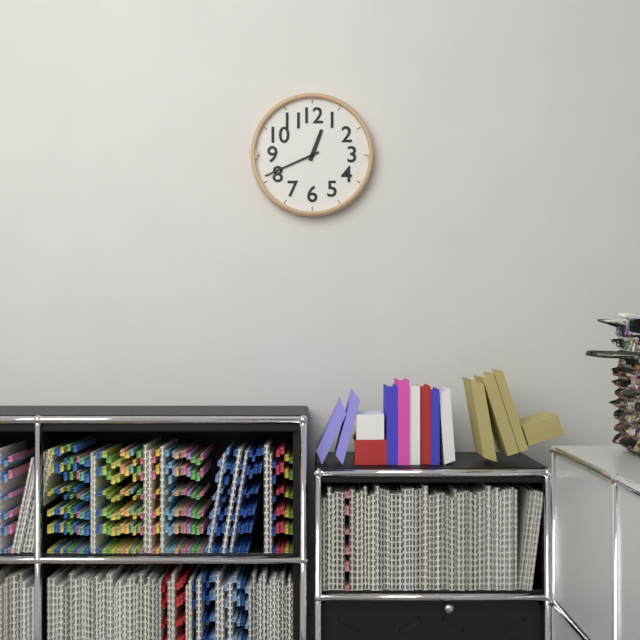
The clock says {"hour": 12, "minute": 41}
